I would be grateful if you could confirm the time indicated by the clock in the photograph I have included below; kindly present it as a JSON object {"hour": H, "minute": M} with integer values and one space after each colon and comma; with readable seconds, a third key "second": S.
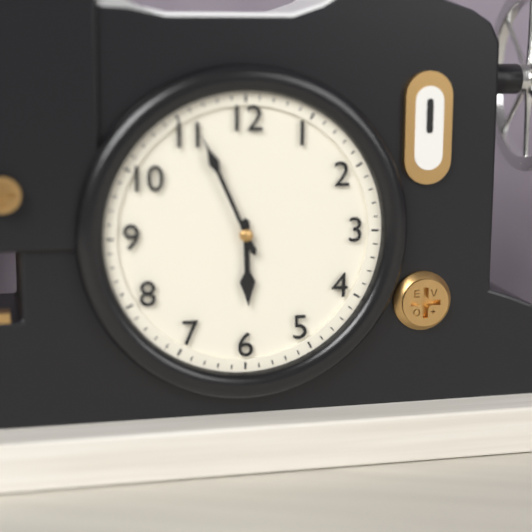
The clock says {"hour": 5, "minute": 56}
